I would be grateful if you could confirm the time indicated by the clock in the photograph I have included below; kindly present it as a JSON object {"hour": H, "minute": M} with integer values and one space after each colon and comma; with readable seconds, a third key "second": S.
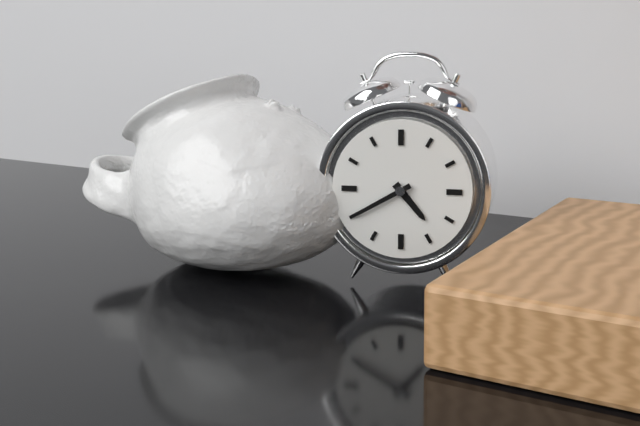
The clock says {"hour": 4, "minute": 40}
